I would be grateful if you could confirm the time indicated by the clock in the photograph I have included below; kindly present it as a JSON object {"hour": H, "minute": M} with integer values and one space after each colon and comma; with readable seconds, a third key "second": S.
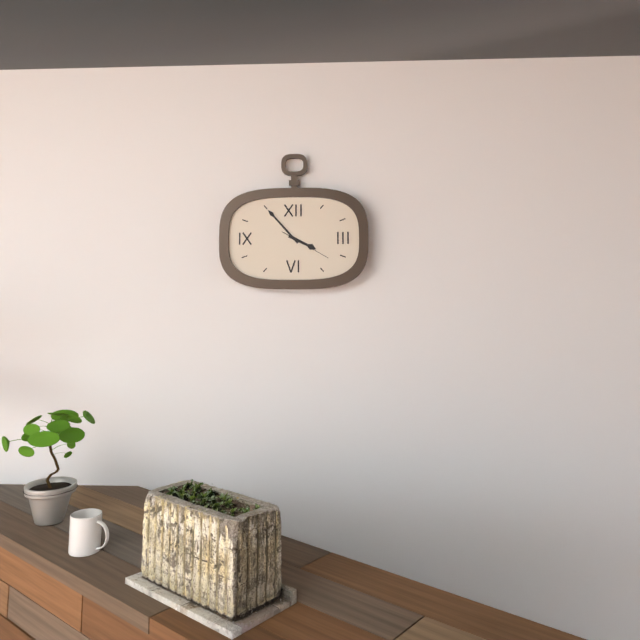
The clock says {"hour": 3, "minute": 53}
